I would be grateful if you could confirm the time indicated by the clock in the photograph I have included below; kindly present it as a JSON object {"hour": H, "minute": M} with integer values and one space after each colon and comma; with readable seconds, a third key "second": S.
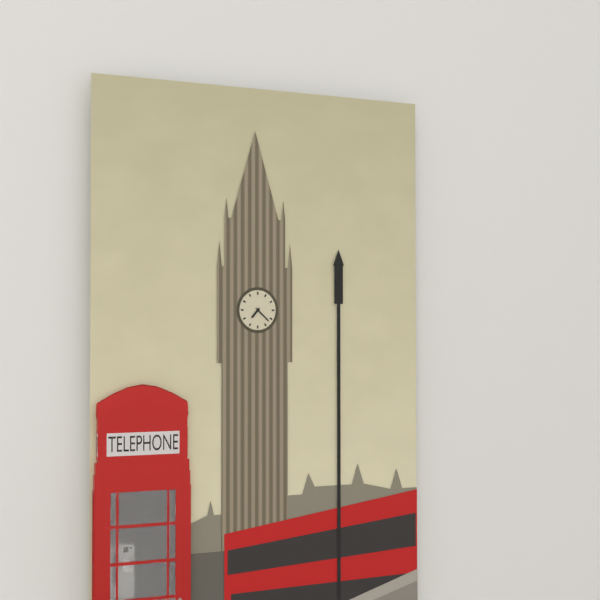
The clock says {"hour": 7, "minute": 22}
